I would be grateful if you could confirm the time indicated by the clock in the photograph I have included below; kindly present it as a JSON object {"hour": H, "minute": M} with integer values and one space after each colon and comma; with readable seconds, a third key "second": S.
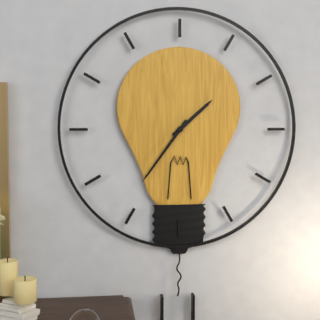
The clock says {"hour": 1, "minute": 36}
